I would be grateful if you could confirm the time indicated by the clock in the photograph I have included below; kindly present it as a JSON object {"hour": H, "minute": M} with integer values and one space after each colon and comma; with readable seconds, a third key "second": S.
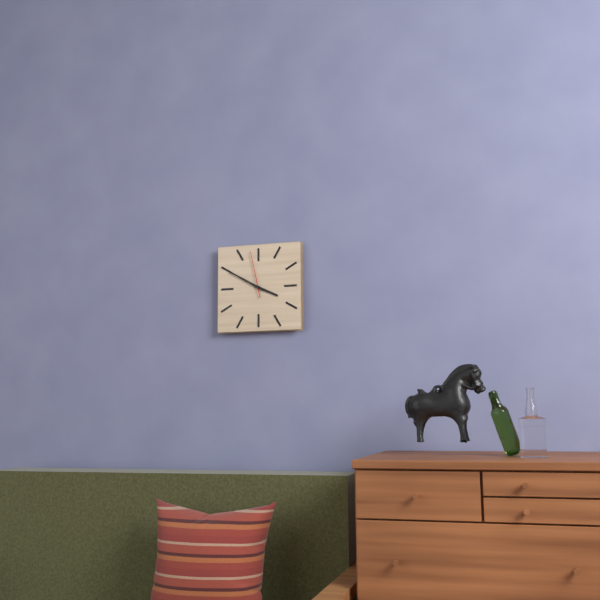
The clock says {"hour": 3, "minute": 50}
